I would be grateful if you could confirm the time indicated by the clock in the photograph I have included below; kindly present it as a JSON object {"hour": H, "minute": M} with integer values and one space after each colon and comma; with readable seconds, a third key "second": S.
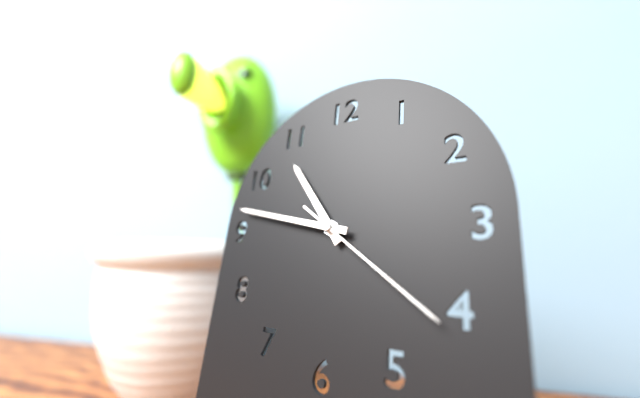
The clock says {"hour": 10, "minute": 47, "second": 21}
